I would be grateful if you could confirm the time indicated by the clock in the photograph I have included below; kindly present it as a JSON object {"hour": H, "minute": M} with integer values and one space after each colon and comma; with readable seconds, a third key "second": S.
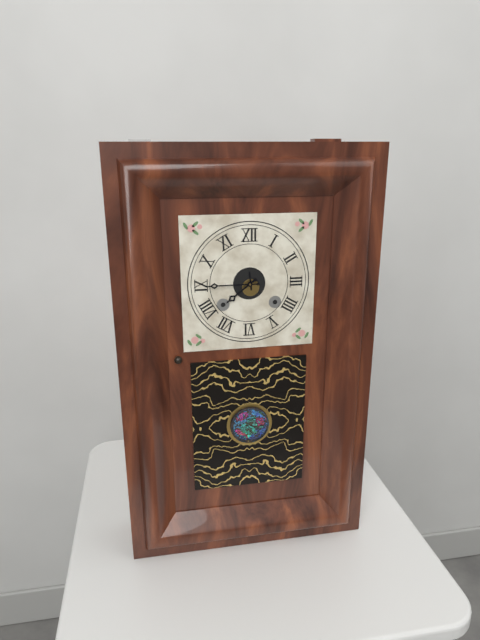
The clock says {"hour": 7, "minute": 45}
